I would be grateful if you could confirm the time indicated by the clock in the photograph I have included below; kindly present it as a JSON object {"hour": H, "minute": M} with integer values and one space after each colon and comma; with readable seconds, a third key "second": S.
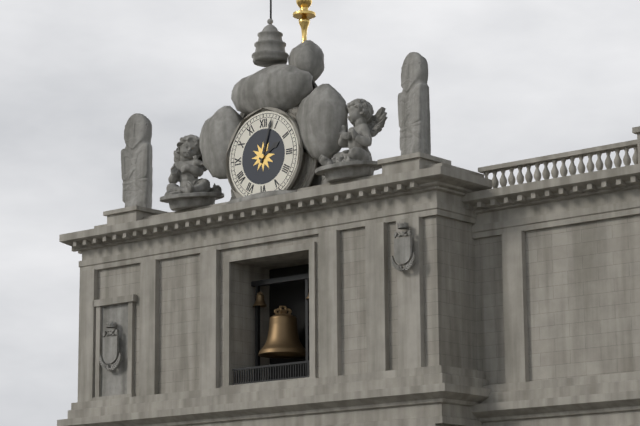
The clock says {"hour": 2, "minute": 3}
